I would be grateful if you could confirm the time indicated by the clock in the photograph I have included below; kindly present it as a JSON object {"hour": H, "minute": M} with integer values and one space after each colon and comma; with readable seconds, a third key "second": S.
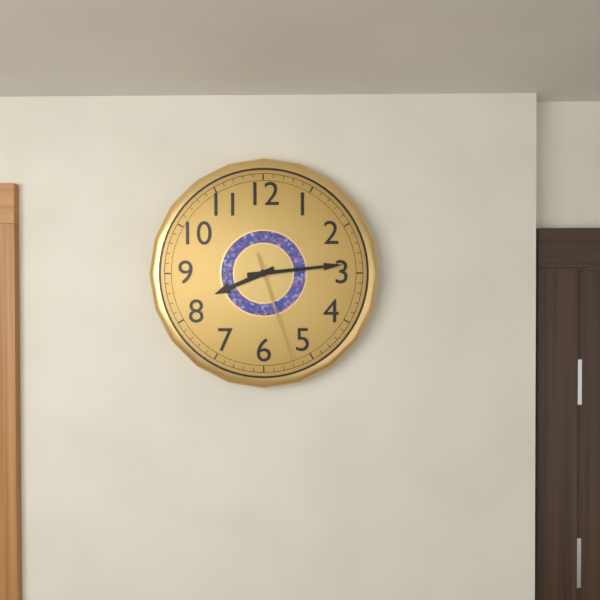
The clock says {"hour": 8, "minute": 14, "second": 27}
